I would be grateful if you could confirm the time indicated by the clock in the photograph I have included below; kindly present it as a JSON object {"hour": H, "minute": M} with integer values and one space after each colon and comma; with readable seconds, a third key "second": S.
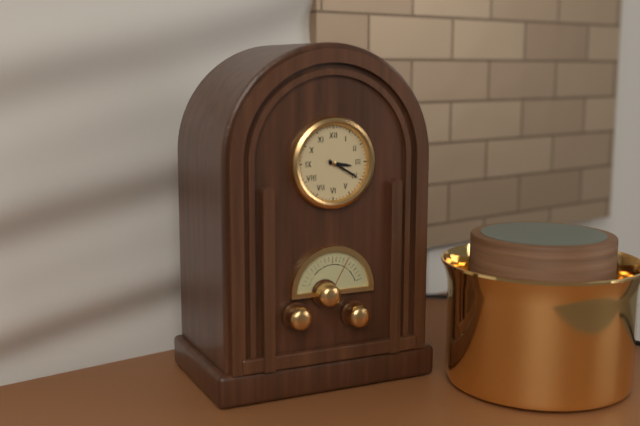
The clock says {"hour": 3, "minute": 20}
